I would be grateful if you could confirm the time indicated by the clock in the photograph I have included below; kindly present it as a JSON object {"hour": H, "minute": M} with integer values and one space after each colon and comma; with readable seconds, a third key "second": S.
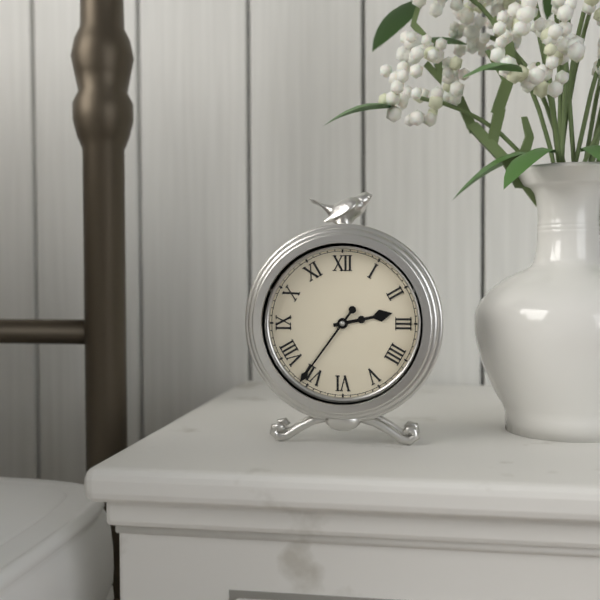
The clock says {"hour": 2, "minute": 36}
